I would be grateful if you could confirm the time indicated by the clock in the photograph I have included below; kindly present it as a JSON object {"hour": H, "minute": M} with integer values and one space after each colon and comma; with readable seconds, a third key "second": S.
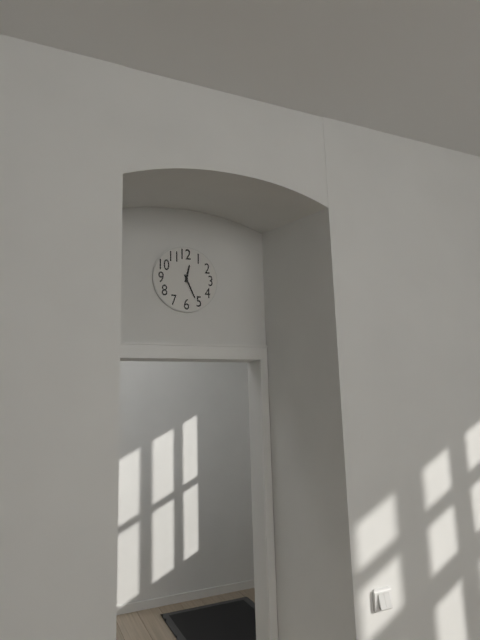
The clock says {"hour": 12, "minute": 26}
